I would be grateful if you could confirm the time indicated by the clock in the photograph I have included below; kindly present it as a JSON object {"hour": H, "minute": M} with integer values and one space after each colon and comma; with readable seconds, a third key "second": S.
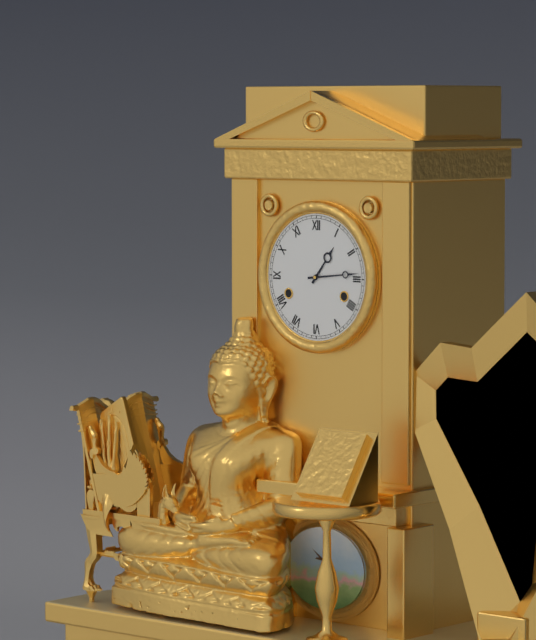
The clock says {"hour": 1, "minute": 14}
